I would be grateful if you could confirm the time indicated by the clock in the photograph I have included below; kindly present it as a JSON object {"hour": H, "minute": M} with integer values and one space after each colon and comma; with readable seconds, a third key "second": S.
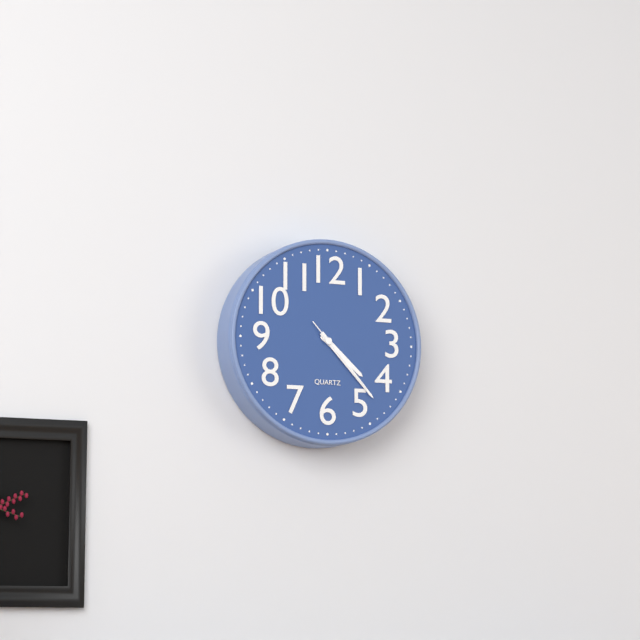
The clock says {"hour": 4, "minute": 23, "second": 23}
